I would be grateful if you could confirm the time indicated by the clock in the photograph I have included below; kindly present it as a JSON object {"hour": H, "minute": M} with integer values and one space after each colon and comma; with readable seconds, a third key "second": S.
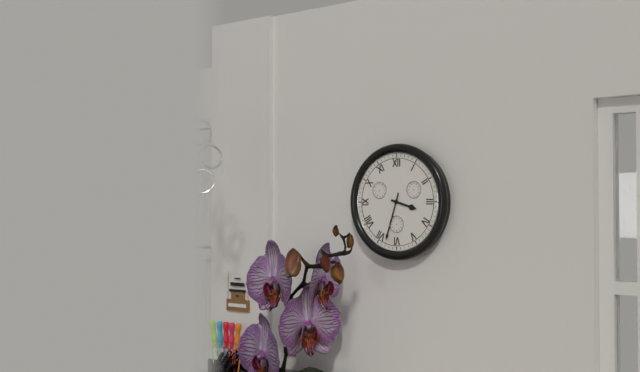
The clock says {"hour": 3, "minute": 33}
